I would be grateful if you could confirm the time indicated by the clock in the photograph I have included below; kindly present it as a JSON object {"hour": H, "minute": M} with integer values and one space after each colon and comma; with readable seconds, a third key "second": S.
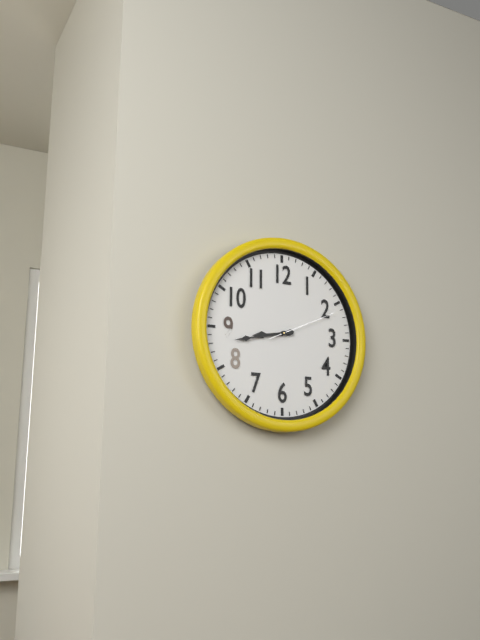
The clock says {"hour": 8, "minute": 43, "second": 11}
